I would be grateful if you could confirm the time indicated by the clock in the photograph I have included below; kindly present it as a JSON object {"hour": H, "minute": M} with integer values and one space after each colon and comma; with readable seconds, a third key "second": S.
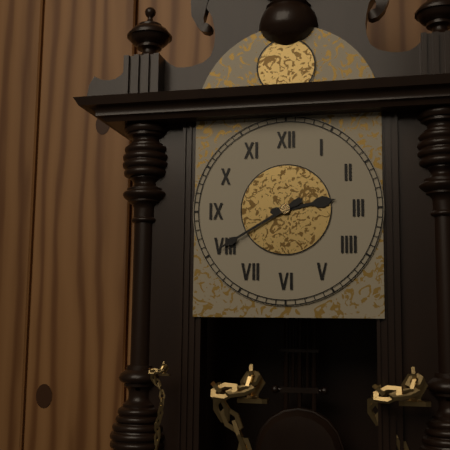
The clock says {"hour": 2, "minute": 40}
